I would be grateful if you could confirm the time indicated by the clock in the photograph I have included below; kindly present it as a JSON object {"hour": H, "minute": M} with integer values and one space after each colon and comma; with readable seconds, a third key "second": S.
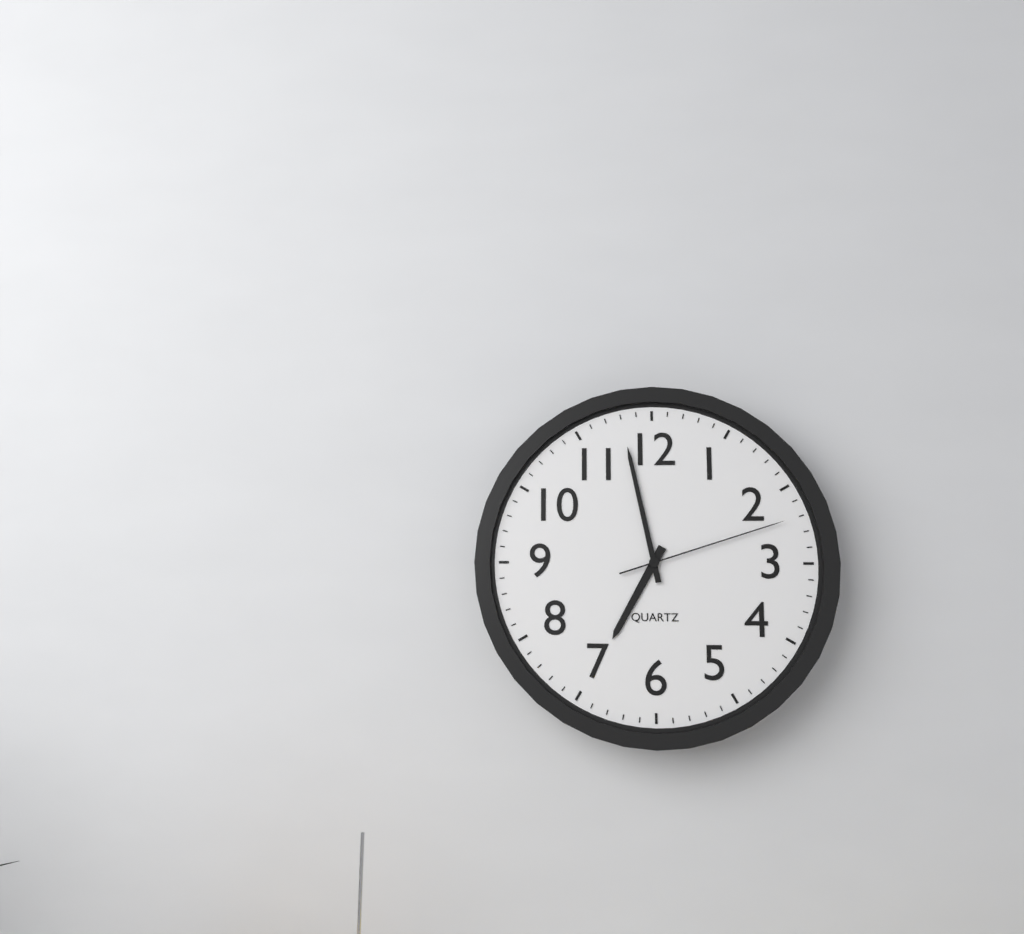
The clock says {"hour": 6, "minute": 58, "second": 12}
